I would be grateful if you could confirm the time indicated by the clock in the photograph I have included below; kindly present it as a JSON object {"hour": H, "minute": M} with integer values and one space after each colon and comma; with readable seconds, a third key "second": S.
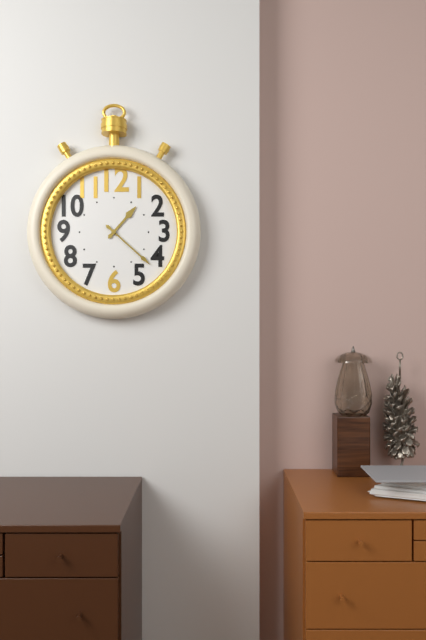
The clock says {"hour": 1, "minute": 22}
